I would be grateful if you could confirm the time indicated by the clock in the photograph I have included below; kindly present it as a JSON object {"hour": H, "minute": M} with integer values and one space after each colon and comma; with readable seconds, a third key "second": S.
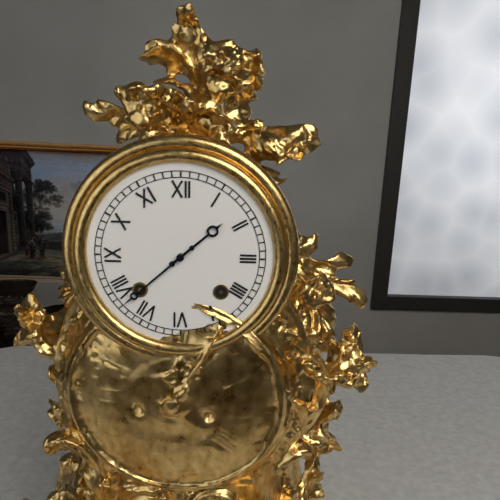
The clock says {"hour": 1, "minute": 38}
